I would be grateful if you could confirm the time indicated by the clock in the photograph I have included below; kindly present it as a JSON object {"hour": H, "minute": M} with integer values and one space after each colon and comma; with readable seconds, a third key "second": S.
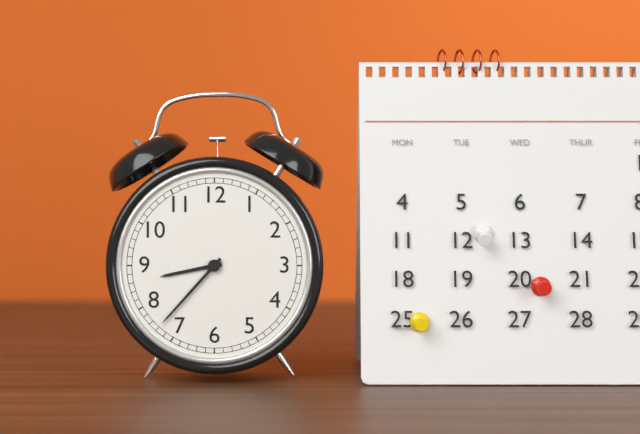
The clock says {"hour": 8, "minute": 37}
